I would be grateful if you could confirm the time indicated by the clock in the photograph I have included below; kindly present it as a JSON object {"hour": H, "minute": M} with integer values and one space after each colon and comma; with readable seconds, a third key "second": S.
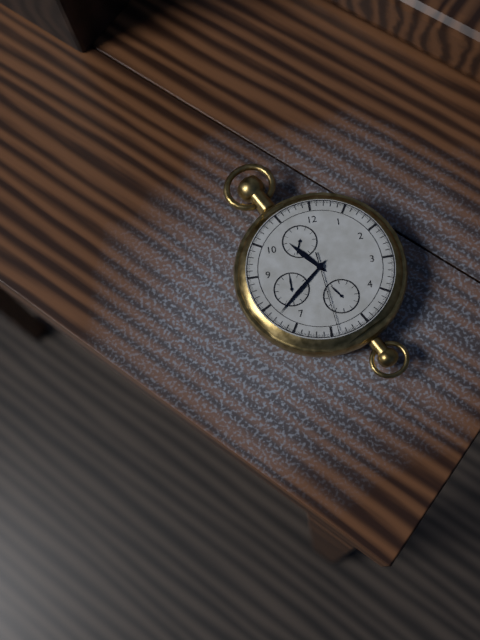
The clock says {"hour": 10, "minute": 38, "second": 29}
